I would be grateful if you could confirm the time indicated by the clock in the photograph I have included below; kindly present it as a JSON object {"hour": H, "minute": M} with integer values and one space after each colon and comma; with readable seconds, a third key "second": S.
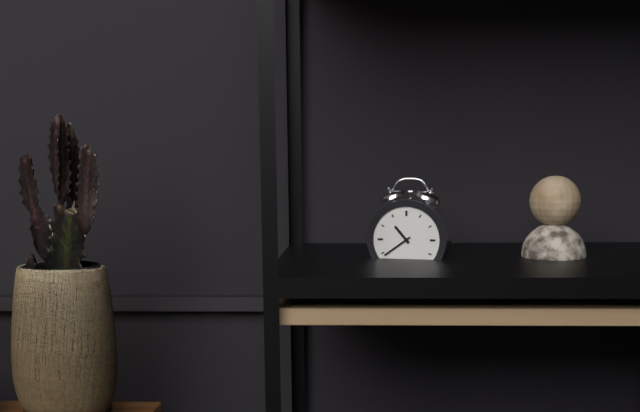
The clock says {"hour": 10, "minute": 39}
